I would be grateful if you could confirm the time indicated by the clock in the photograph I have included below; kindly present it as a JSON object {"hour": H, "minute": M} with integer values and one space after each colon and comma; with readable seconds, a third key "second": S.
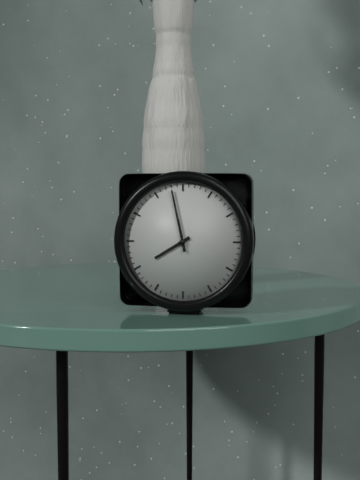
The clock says {"hour": 7, "minute": 58}
